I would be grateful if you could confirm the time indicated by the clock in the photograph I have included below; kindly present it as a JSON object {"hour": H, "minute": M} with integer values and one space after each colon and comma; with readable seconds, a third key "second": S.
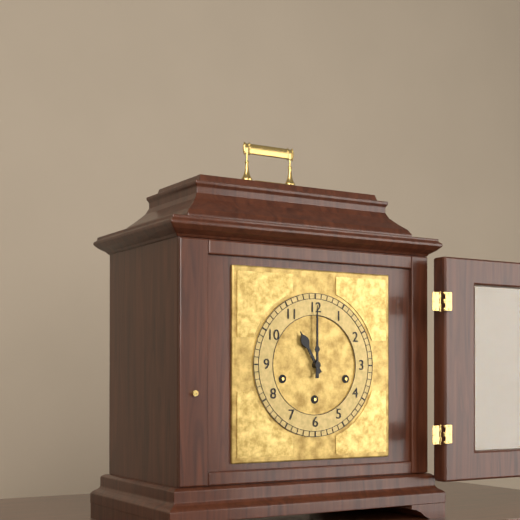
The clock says {"hour": 11, "minute": 0}
